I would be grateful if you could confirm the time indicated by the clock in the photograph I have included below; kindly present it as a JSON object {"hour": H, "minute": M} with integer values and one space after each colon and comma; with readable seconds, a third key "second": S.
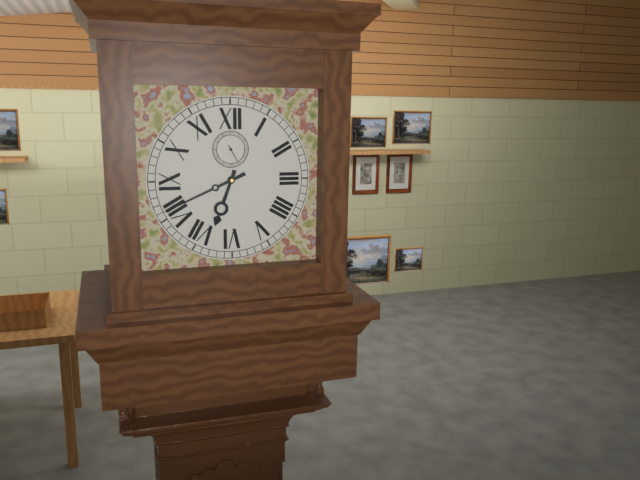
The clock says {"hour": 6, "minute": 41}
